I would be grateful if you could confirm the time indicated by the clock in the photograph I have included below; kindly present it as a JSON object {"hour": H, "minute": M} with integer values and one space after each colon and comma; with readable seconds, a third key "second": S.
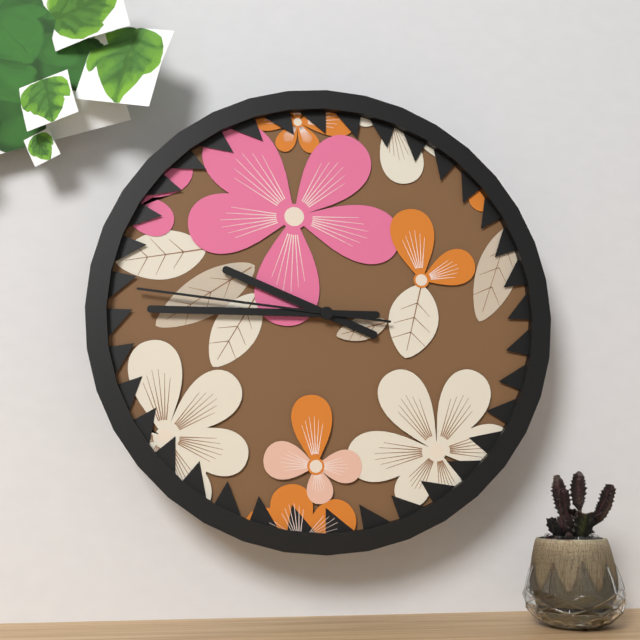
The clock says {"hour": 9, "minute": 45, "second": 46}
